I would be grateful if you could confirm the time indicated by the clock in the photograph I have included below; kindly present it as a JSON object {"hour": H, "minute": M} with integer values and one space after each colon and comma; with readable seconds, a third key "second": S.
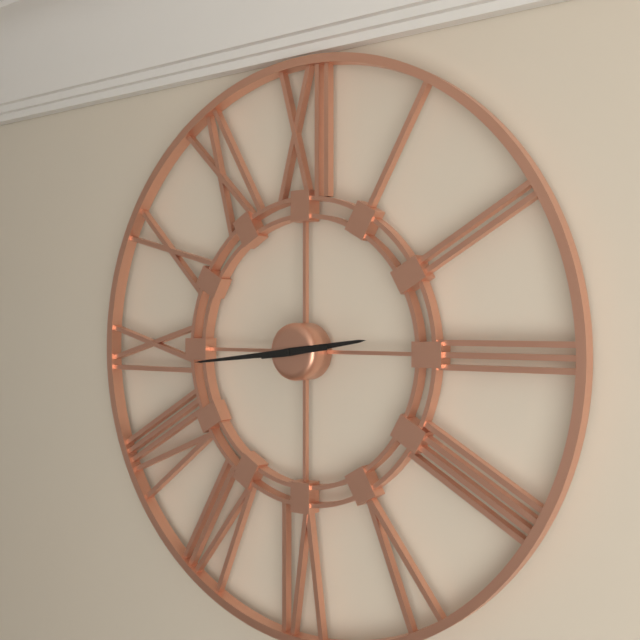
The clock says {"hour": 2, "minute": 44}
